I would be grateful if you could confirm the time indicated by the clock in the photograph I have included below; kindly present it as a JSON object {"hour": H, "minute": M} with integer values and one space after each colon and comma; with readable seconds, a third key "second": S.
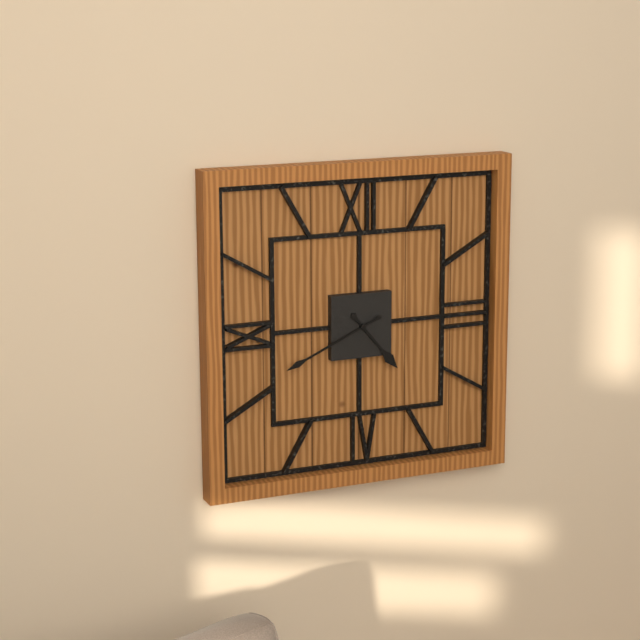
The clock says {"hour": 4, "minute": 41}
